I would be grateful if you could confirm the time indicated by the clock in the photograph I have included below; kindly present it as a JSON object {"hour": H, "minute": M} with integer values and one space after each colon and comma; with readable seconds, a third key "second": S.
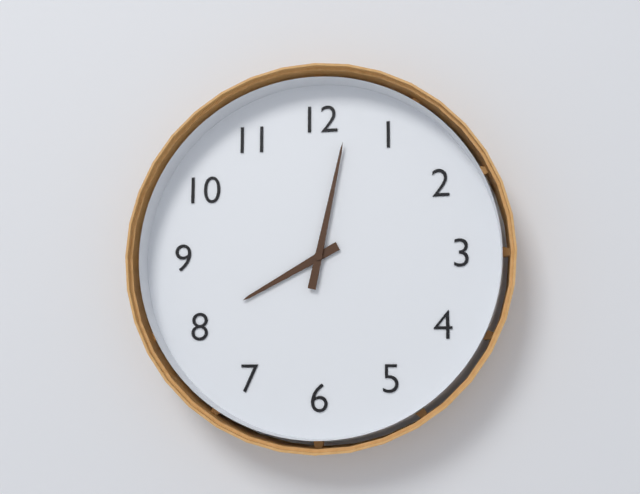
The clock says {"hour": 8, "minute": 2}
